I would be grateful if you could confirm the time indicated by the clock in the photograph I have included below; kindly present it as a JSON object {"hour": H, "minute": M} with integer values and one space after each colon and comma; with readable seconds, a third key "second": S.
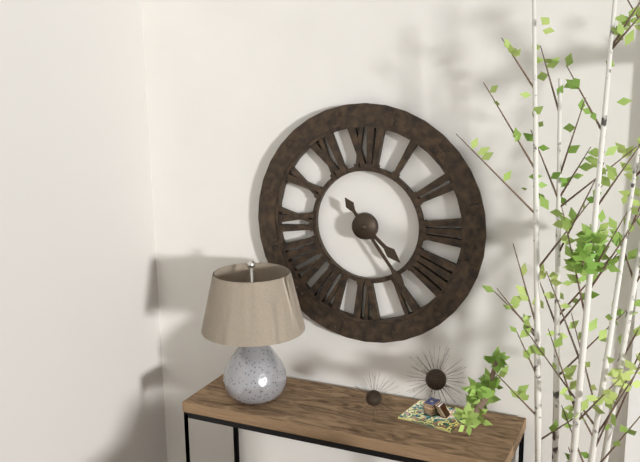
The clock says {"hour": 4, "minute": 24}
